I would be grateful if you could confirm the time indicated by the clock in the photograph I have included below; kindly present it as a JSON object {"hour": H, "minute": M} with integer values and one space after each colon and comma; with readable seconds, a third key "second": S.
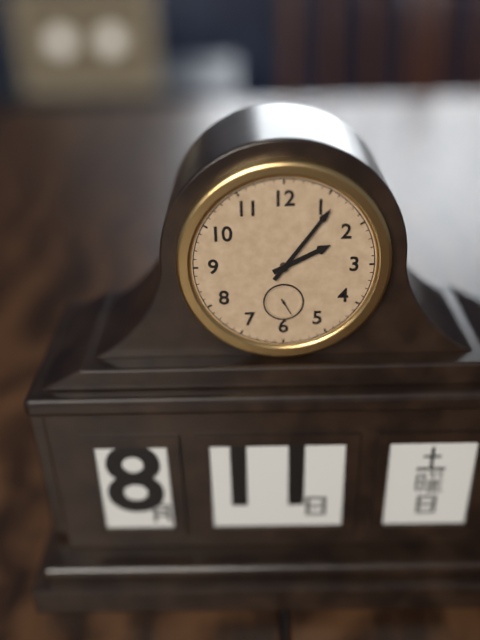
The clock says {"hour": 2, "minute": 6}
